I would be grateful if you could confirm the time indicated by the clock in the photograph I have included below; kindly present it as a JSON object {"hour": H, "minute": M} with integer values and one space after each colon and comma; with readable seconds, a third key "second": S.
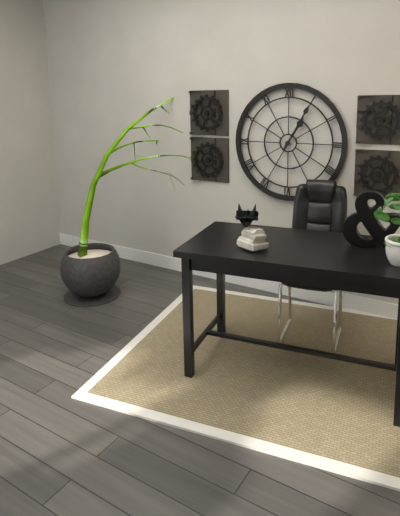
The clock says {"hour": 1, "minute": 5}
